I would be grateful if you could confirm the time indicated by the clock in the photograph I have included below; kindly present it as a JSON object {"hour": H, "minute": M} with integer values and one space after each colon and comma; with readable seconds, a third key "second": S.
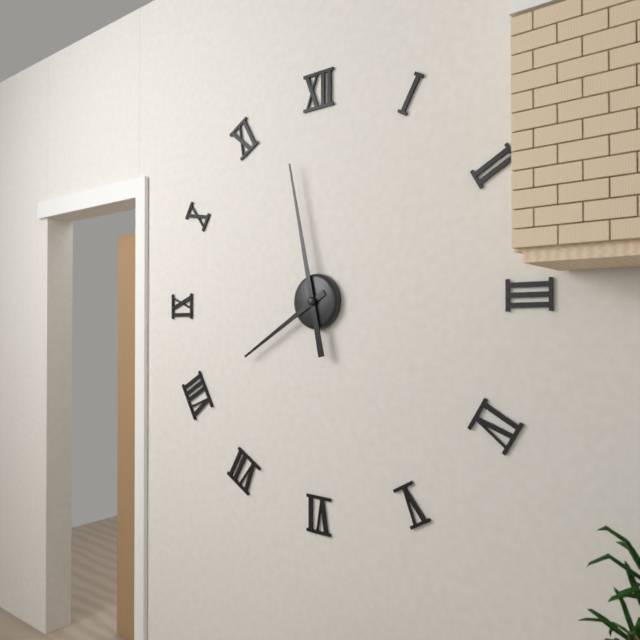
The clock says {"hour": 7, "minute": 58}
